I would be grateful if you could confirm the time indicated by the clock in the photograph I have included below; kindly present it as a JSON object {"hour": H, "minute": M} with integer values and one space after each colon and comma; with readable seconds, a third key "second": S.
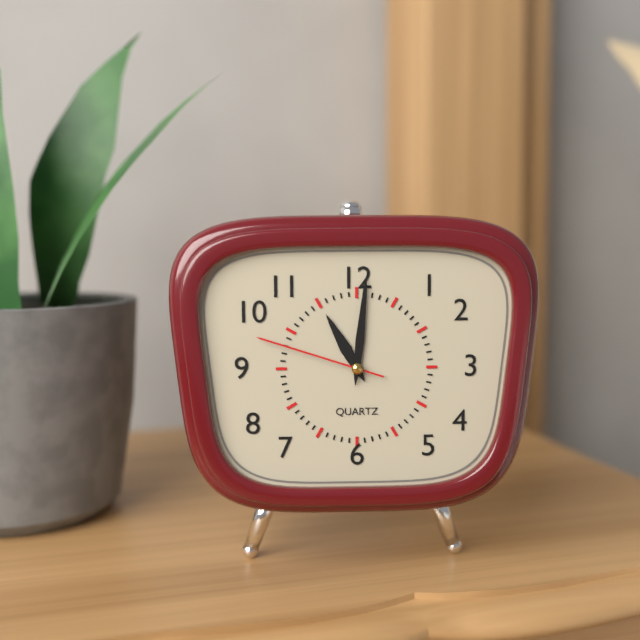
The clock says {"hour": 11, "minute": 1, "second": 48}
